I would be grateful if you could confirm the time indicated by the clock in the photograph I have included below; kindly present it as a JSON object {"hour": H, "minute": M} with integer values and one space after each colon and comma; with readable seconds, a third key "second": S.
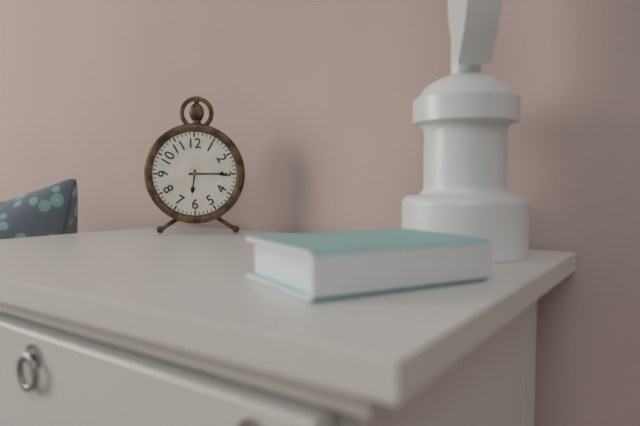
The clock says {"hour": 6, "minute": 15}
